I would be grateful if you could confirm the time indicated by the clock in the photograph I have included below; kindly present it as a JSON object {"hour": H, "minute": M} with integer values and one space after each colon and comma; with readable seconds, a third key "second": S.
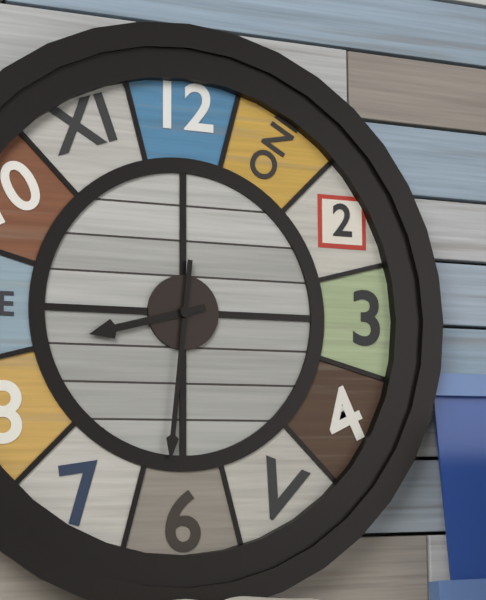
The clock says {"hour": 8, "minute": 31}
